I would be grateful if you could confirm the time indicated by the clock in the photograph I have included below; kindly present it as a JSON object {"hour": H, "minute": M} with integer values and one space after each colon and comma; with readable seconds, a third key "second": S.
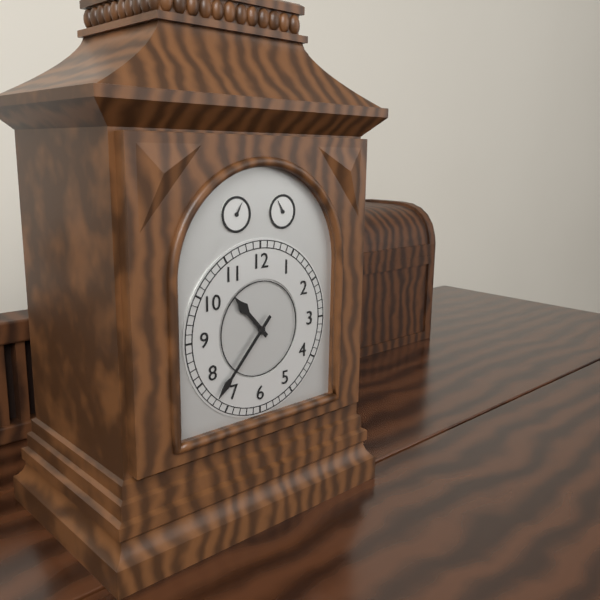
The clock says {"hour": 10, "minute": 37}
